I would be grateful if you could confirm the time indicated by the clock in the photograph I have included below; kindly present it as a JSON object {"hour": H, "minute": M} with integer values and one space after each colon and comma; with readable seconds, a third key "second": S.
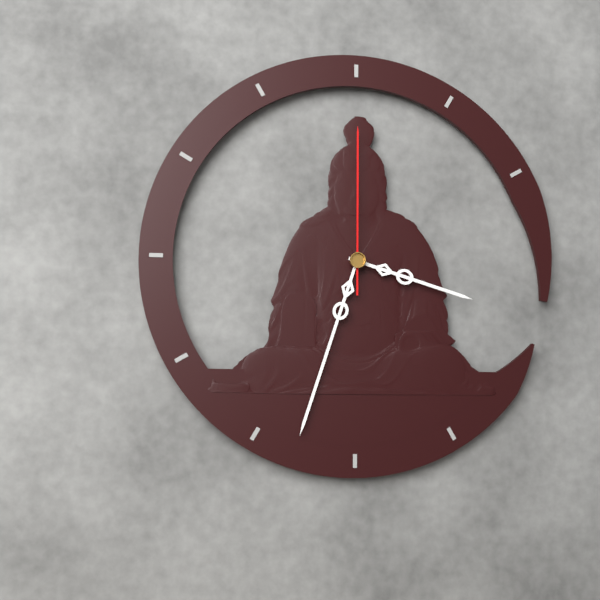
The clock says {"hour": 3, "minute": 33, "second": 0}
